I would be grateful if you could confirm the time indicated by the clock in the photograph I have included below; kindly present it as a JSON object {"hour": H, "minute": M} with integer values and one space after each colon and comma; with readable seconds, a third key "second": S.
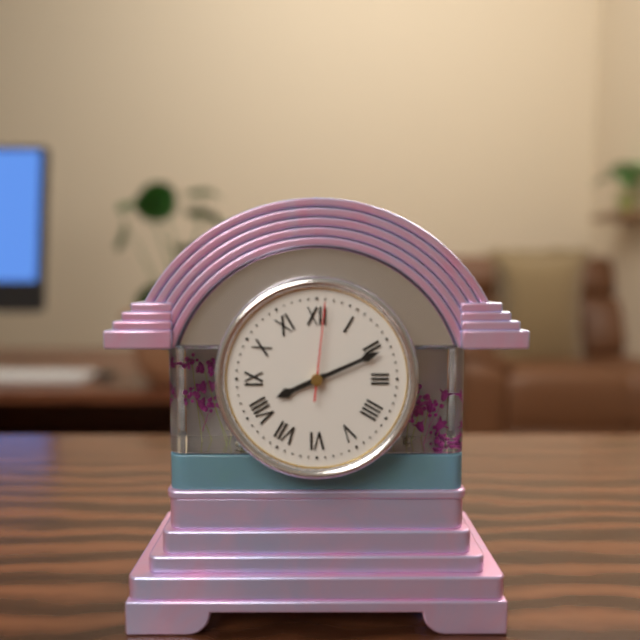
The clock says {"hour": 8, "minute": 11, "second": 1}
